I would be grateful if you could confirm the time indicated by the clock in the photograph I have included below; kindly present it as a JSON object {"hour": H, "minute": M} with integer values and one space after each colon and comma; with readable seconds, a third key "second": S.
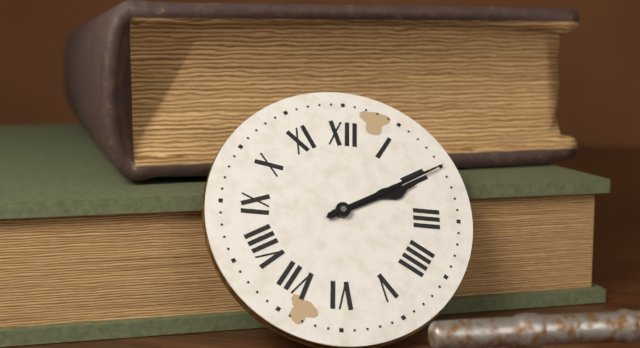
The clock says {"hour": 2, "minute": 10}
